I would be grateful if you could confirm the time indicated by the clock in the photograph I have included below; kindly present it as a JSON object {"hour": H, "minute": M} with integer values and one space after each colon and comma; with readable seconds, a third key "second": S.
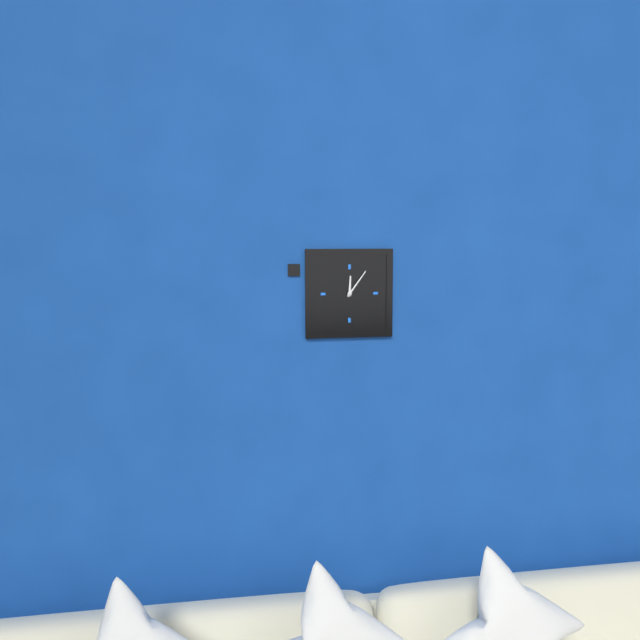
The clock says {"hour": 12, "minute": 6}
